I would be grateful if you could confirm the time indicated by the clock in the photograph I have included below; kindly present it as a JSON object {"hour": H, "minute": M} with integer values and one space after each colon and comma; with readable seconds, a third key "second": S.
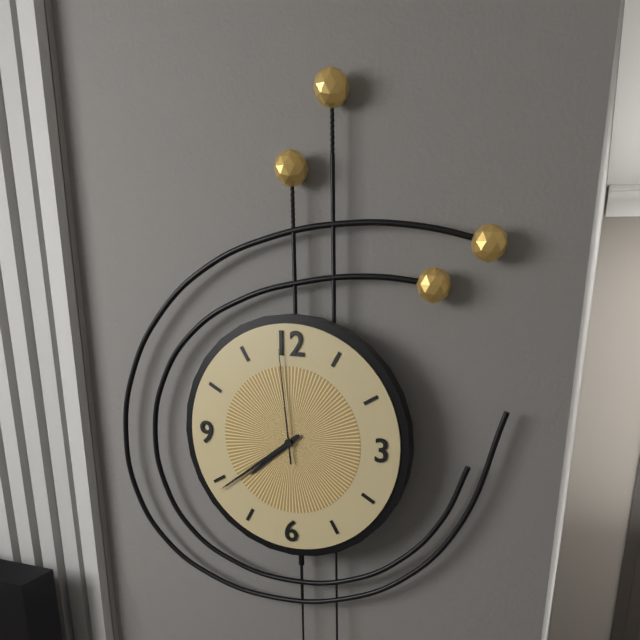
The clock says {"hour": 7, "minute": 39, "second": 59}
